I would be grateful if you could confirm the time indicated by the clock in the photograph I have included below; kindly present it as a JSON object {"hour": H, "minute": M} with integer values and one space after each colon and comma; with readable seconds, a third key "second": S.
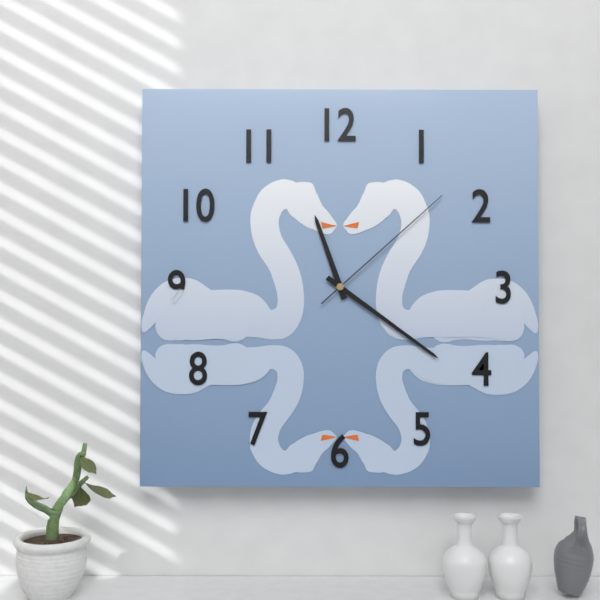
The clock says {"hour": 11, "minute": 21, "second": 8}
